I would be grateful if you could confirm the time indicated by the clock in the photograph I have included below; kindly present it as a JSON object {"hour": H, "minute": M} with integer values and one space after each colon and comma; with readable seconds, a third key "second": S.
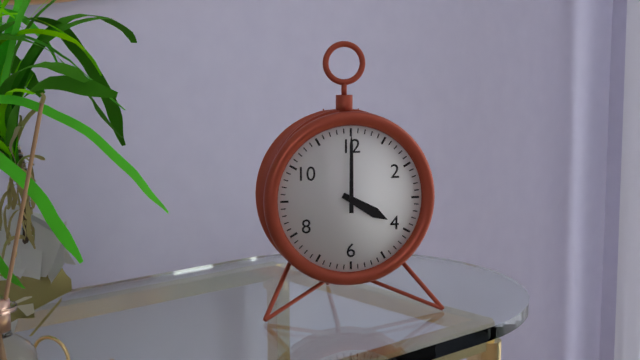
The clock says {"hour": 4, "minute": 0}
